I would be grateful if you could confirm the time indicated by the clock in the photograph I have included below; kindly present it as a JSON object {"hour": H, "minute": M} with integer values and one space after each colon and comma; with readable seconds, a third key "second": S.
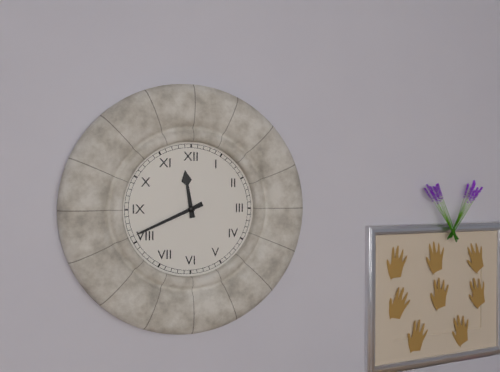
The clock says {"hour": 11, "minute": 41}
